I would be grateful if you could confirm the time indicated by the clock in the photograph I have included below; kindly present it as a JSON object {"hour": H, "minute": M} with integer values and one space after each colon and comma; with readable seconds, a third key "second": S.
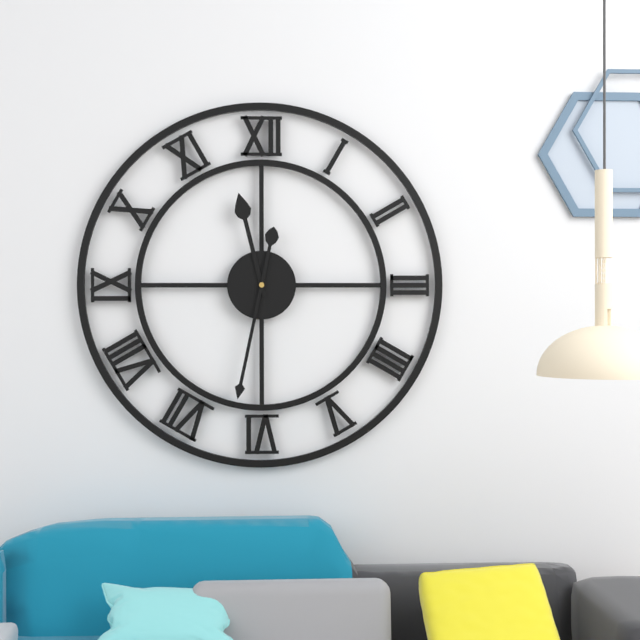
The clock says {"hour": 11, "minute": 32}
